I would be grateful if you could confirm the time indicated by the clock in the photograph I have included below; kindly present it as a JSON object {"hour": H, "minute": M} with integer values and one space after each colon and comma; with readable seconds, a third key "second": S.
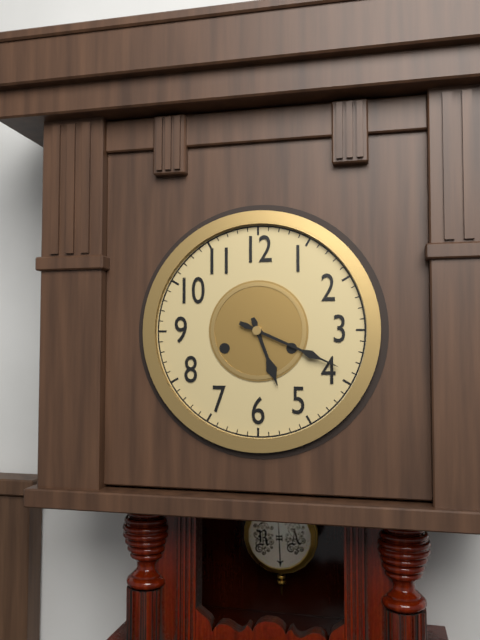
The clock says {"hour": 5, "minute": 19}
